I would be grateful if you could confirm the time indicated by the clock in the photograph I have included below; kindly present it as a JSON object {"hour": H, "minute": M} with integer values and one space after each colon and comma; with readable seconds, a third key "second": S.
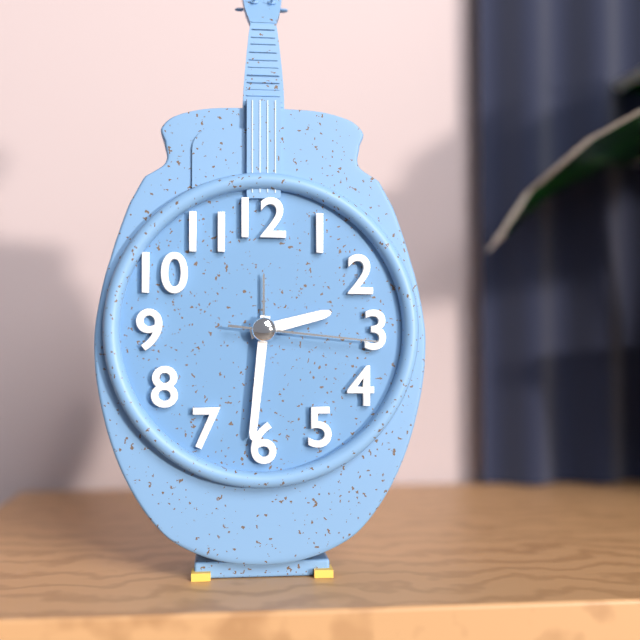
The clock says {"hour": 2, "minute": 31, "second": 16}
